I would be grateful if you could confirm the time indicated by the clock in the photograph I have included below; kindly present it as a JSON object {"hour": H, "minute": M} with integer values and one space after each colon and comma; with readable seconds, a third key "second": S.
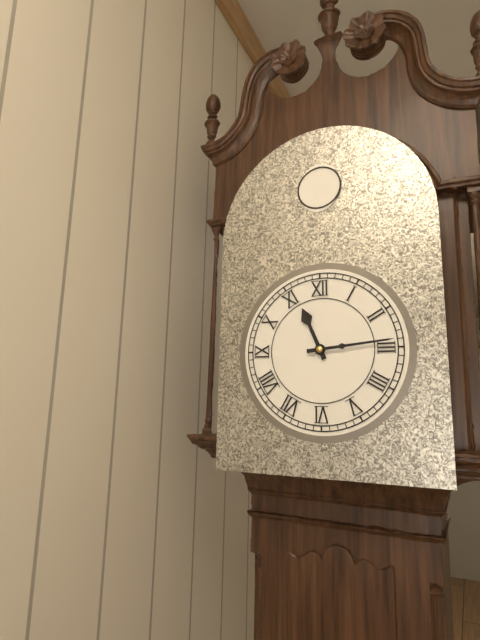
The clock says {"hour": 11, "minute": 14}
